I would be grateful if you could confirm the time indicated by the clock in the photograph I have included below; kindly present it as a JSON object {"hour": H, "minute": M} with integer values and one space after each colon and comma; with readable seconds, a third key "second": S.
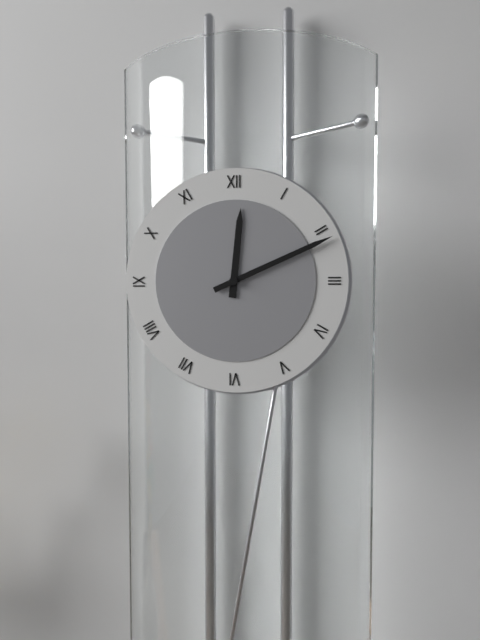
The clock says {"hour": 12, "minute": 11}
